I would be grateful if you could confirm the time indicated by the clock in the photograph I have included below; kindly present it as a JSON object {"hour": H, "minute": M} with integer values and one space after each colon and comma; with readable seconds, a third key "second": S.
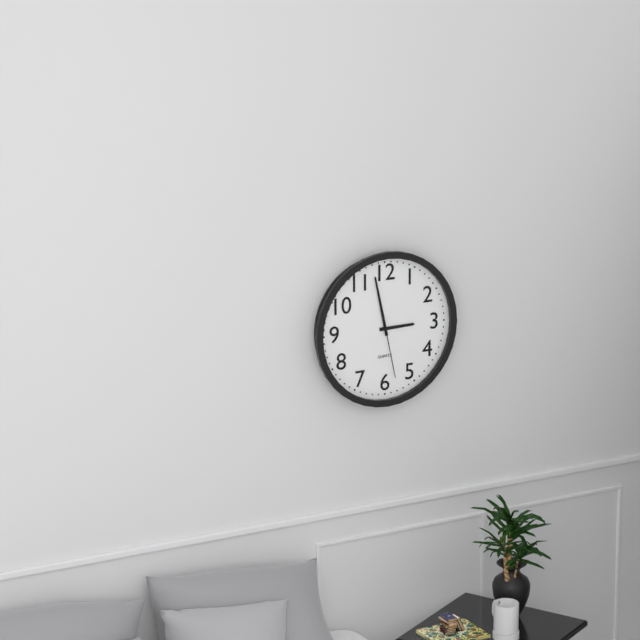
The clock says {"hour": 2, "minute": 58, "second": 28}
